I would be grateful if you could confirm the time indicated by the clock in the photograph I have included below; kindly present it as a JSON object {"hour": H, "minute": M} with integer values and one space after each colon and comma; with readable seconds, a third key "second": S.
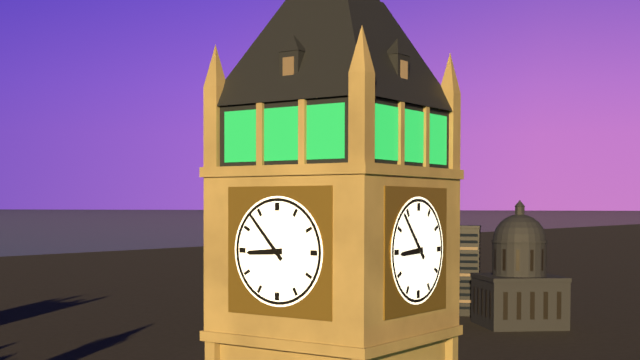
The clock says {"hour": 8, "minute": 53}
